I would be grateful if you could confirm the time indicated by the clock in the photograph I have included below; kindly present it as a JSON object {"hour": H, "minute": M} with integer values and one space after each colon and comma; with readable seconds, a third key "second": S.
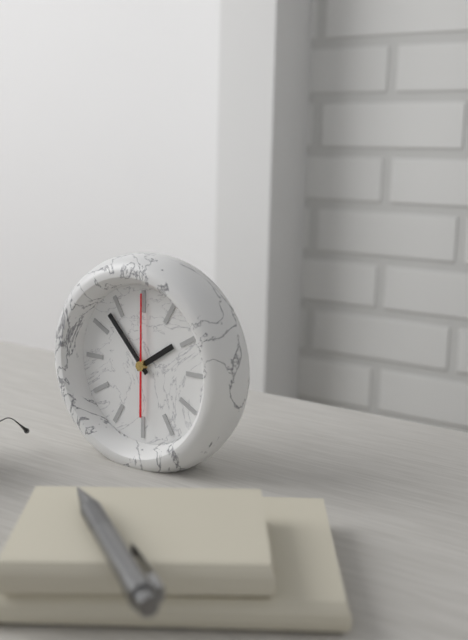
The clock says {"hour": 1, "minute": 53, "second": 0}
